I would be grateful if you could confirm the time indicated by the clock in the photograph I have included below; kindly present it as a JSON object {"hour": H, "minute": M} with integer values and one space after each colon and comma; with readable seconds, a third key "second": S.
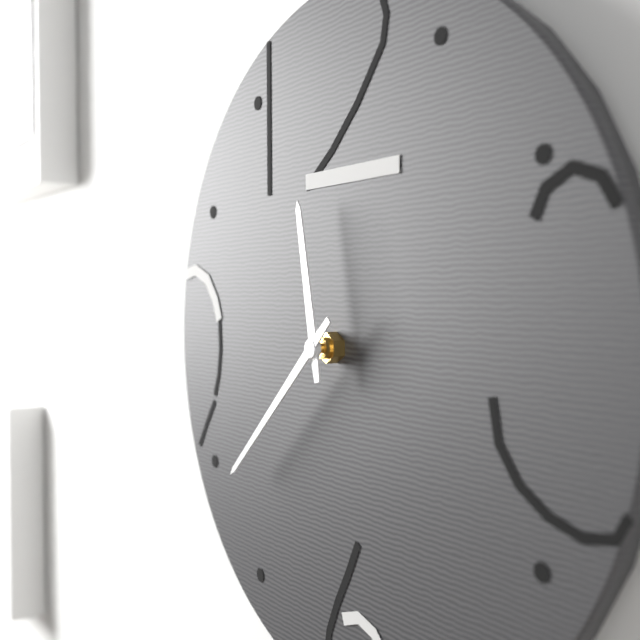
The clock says {"hour": 11, "minute": 38}
